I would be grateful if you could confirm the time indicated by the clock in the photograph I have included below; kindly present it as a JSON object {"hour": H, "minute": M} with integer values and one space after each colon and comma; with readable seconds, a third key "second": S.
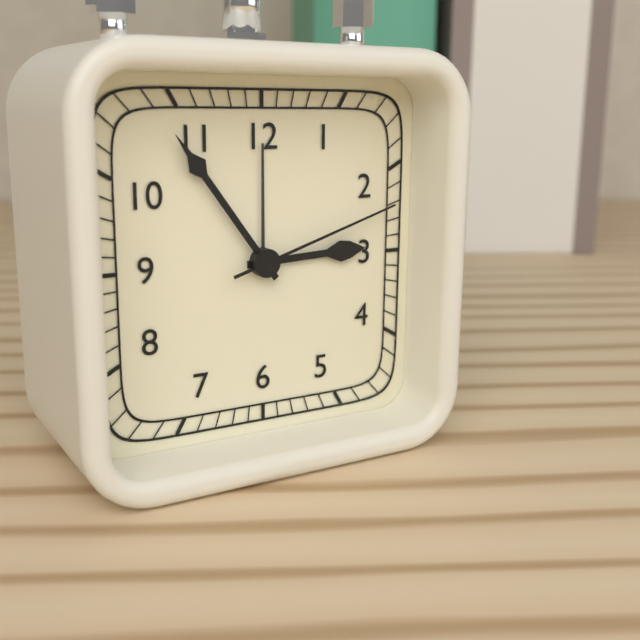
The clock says {"hour": 2, "minute": 54, "second": 12}
